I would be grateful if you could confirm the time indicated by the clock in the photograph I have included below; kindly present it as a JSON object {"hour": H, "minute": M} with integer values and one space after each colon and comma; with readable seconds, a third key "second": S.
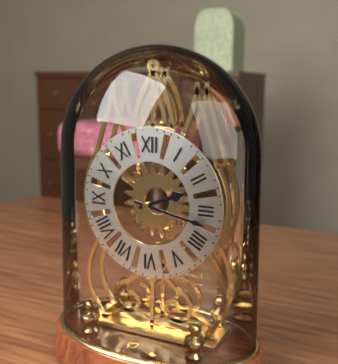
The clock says {"hour": 2, "minute": 17}
